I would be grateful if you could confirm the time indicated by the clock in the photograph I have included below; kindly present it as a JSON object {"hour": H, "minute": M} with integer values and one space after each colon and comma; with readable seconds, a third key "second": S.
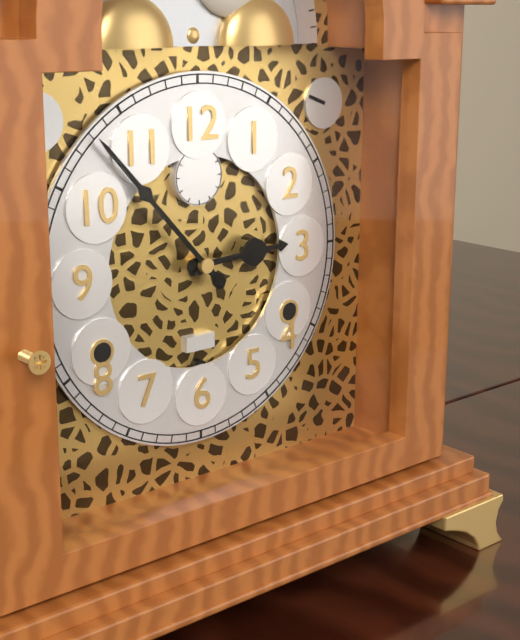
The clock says {"hour": 2, "minute": 53}
